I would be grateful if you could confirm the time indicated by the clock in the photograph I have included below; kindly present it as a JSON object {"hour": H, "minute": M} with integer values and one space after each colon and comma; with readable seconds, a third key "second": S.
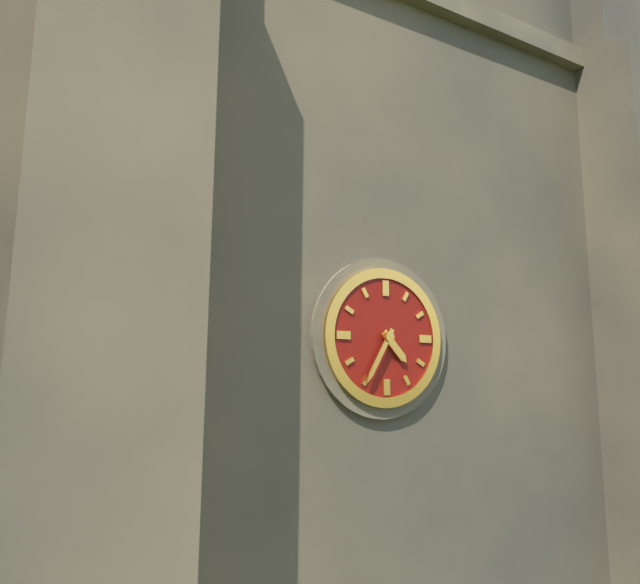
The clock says {"hour": 4, "minute": 35}
